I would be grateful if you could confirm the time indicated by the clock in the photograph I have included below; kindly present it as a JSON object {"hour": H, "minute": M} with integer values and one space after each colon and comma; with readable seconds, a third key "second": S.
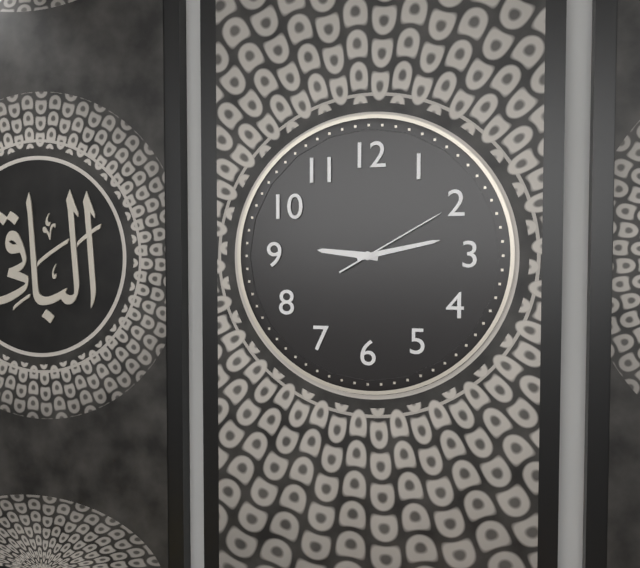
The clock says {"hour": 9, "minute": 13, "second": 10}
